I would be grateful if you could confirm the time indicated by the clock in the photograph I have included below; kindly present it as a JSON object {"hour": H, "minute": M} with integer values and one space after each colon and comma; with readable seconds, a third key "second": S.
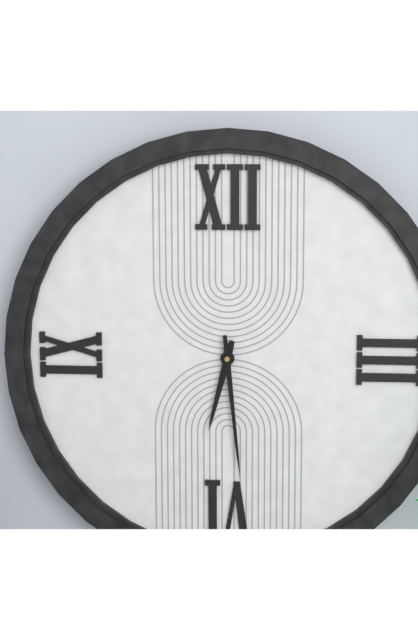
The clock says {"hour": 6, "minute": 29}
